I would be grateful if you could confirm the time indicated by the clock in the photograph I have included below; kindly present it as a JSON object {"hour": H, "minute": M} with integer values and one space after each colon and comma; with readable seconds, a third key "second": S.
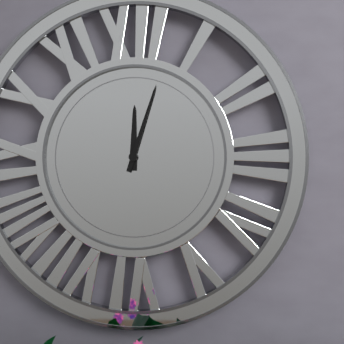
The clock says {"hour": 12, "minute": 3}
